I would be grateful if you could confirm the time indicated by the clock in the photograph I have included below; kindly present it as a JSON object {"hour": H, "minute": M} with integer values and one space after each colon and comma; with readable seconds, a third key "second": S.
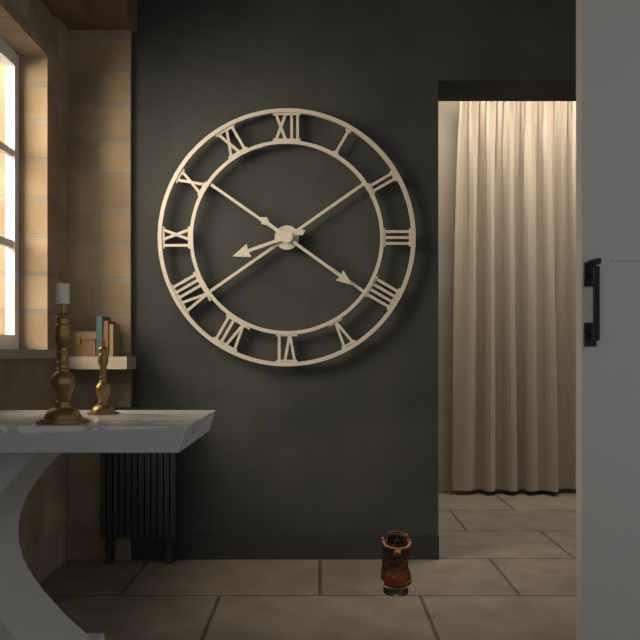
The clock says {"hour": 8, "minute": 21}
